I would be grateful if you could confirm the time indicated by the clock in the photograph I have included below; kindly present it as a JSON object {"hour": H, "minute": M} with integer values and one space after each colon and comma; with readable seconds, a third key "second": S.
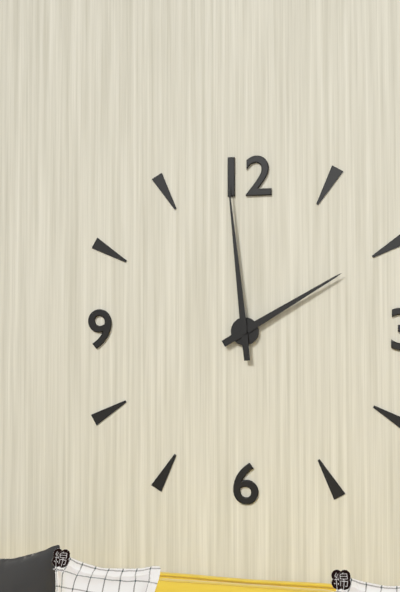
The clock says {"hour": 1, "minute": 59}
